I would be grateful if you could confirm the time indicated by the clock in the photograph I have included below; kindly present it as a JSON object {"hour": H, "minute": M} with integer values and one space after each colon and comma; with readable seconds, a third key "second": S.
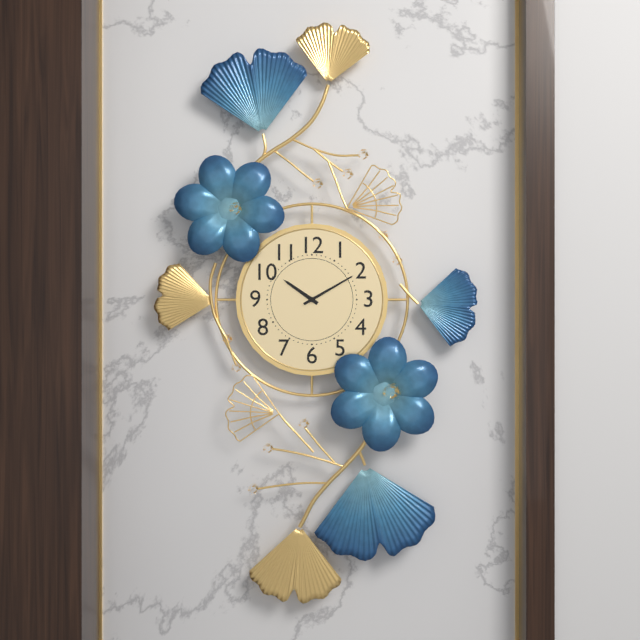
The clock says {"hour": 10, "minute": 10}
